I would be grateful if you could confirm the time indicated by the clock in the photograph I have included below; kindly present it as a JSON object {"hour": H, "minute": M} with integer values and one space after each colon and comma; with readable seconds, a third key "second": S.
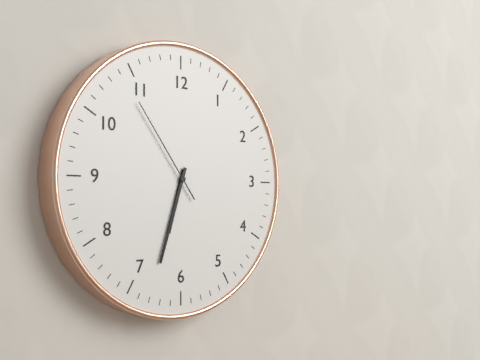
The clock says {"hour": 6, "minute": 33, "second": 54}
